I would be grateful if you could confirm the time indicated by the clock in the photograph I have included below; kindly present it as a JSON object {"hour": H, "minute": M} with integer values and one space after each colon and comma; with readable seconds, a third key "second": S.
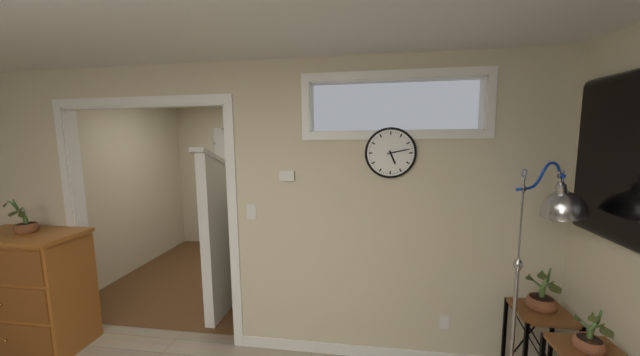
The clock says {"hour": 5, "minute": 13}
